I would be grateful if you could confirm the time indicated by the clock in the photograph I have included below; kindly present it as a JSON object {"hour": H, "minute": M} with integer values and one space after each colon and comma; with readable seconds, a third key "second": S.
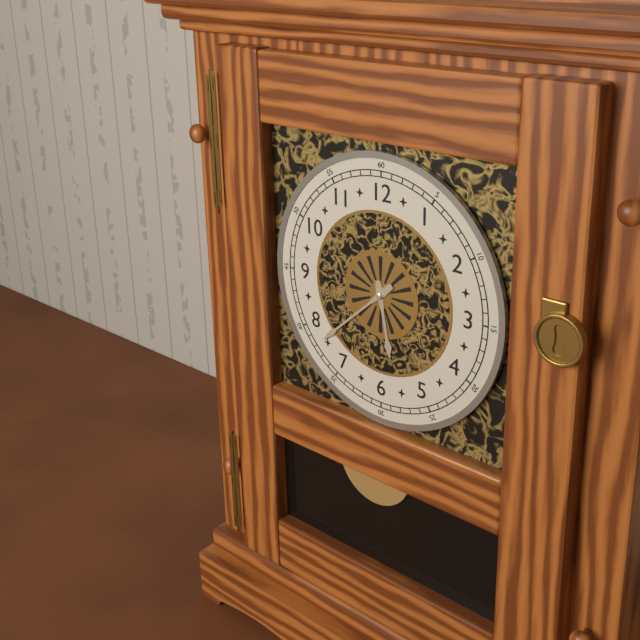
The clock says {"hour": 5, "minute": 38}
